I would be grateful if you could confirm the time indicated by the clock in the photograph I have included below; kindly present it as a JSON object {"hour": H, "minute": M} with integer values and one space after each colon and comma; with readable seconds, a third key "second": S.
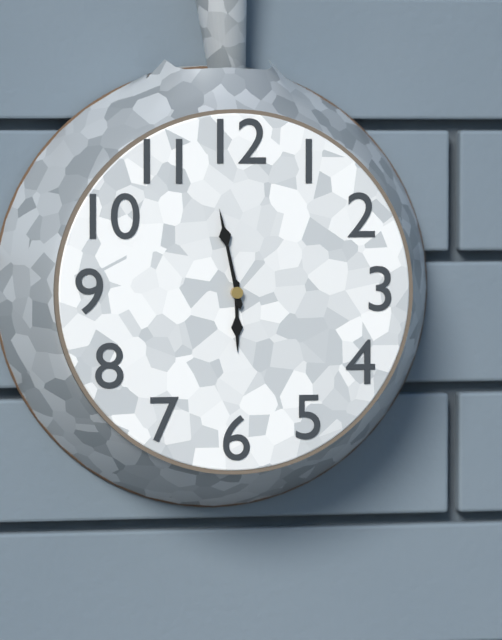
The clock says {"hour": 5, "minute": 58}
